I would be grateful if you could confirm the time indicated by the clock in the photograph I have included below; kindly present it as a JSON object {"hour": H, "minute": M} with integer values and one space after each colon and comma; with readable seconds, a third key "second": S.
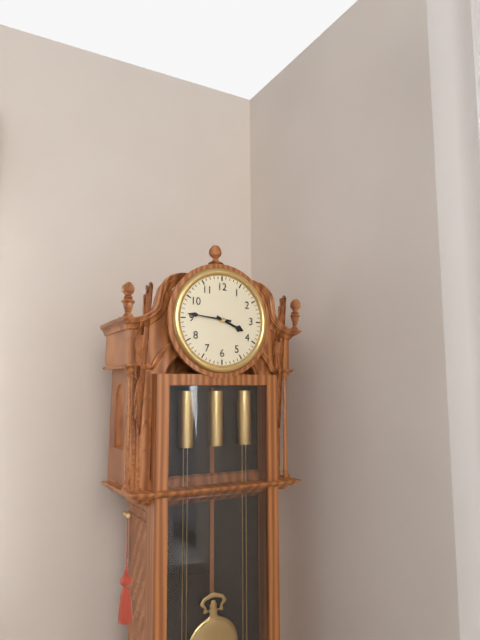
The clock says {"hour": 3, "minute": 46}
